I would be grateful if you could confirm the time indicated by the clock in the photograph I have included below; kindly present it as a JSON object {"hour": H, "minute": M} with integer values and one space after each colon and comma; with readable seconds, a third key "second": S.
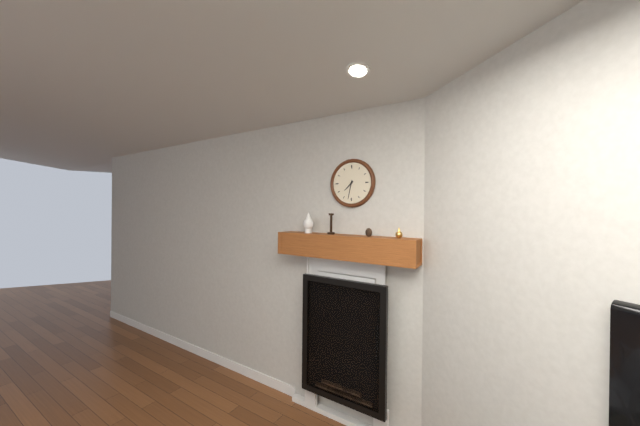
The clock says {"hour": 7, "minute": 32}
